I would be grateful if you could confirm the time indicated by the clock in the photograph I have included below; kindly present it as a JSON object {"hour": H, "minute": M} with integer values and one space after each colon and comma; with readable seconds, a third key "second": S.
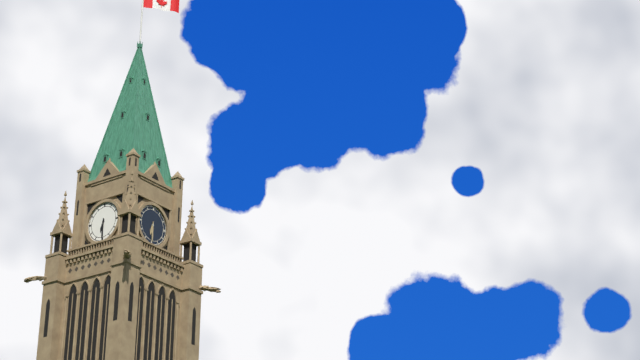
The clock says {"hour": 6, "minute": 30}
